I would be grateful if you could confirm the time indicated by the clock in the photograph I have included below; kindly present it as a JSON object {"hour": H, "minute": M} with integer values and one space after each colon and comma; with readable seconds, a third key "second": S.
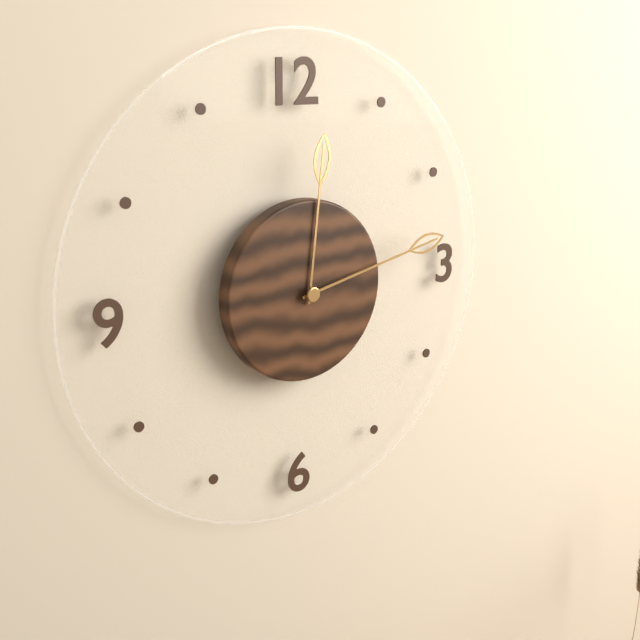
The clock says {"hour": 12, "minute": 13}
